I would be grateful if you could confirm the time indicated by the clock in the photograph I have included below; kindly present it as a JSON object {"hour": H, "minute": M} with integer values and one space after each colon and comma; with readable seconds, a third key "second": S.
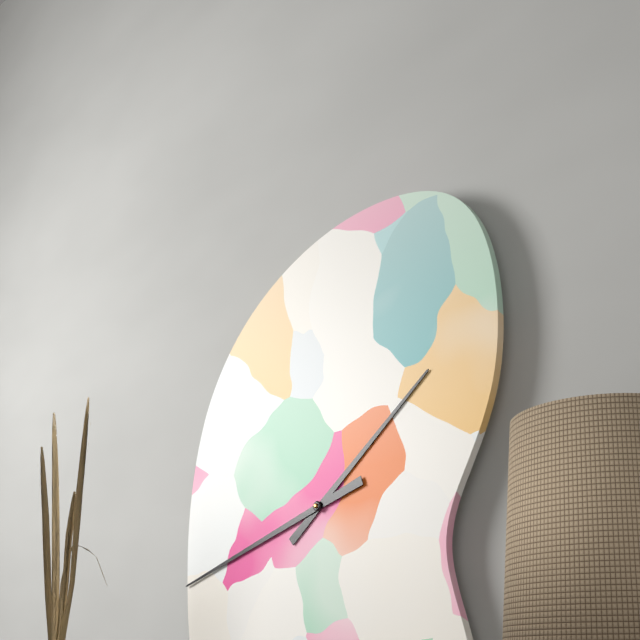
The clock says {"hour": 1, "minute": 42}
